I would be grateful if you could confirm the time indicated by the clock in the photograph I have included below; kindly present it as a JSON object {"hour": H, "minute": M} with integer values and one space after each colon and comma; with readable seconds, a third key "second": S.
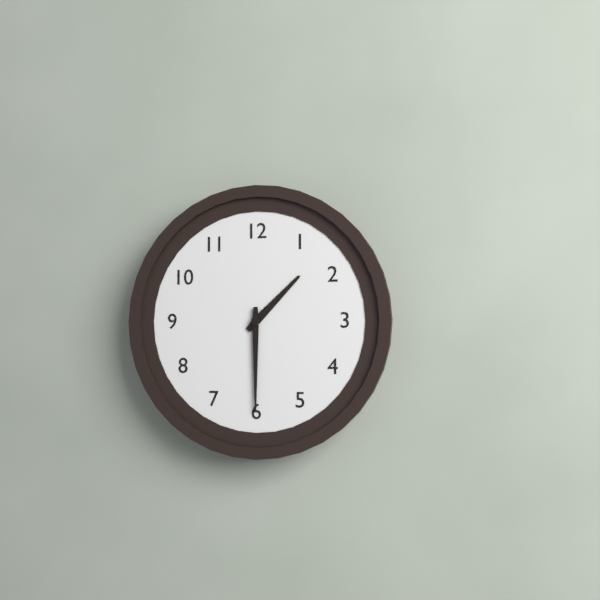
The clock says {"hour": 1, "minute": 30}
